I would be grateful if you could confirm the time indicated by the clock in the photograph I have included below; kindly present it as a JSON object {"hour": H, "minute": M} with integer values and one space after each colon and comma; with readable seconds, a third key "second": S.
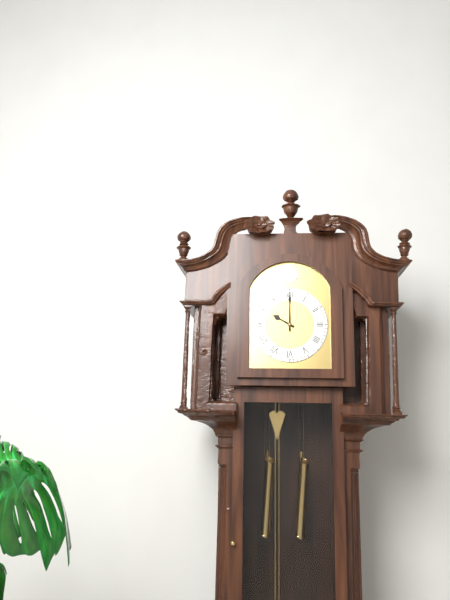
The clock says {"hour": 10, "minute": 0}
